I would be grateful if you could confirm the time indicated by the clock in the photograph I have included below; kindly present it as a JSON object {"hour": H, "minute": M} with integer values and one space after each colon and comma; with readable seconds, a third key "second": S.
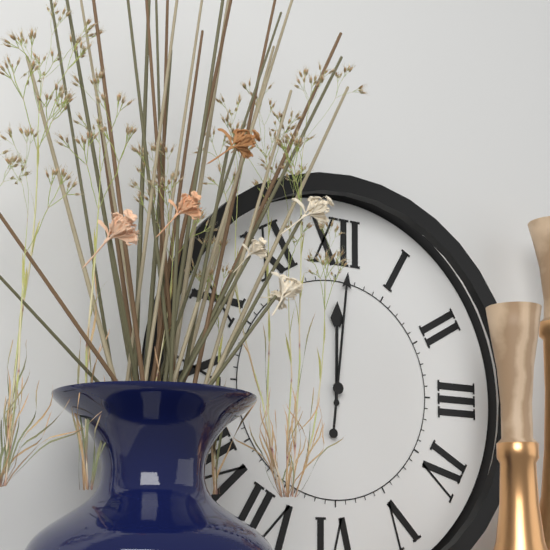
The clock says {"hour": 12, "minute": 1}
